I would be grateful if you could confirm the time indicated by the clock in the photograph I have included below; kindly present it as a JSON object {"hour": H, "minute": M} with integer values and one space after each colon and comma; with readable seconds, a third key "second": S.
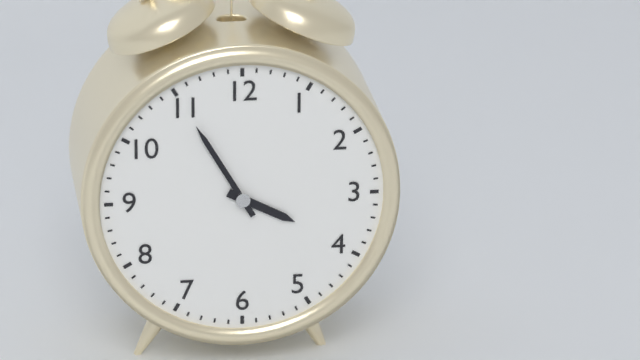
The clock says {"hour": 3, "minute": 55}
